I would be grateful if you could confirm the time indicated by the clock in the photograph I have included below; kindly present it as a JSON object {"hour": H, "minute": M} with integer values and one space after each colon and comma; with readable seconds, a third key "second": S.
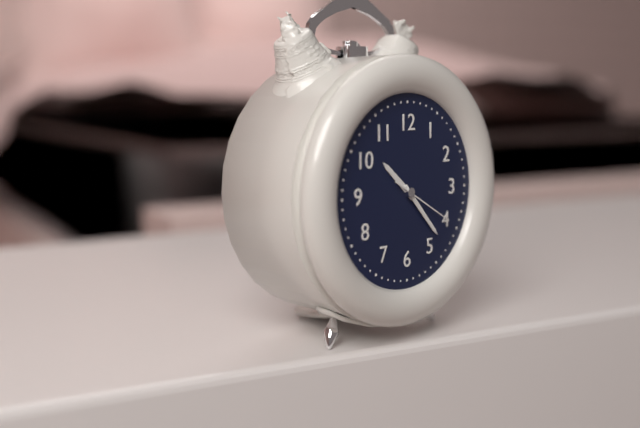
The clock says {"hour": 10, "minute": 23, "second": 20}
